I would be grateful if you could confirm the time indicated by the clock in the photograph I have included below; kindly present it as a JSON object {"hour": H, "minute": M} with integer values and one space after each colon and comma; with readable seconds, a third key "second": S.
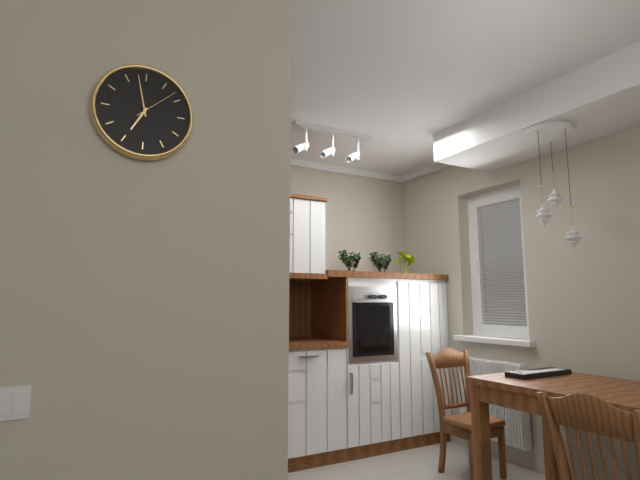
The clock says {"hour": 6, "minute": 58, "second": 8}
